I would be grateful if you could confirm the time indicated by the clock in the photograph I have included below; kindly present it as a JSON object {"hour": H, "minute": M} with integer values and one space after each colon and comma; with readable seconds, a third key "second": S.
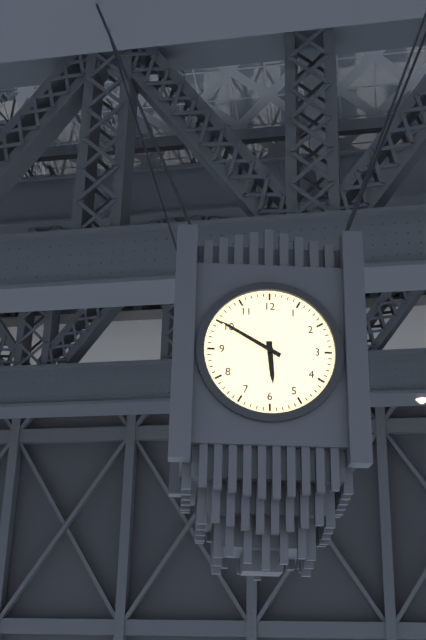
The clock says {"hour": 5, "minute": 50}
